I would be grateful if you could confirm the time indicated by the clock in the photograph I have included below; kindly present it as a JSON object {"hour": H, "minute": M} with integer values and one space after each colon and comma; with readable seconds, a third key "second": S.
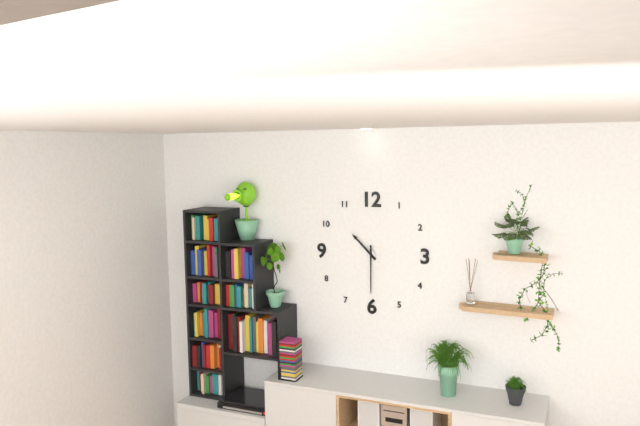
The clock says {"hour": 10, "minute": 30}
